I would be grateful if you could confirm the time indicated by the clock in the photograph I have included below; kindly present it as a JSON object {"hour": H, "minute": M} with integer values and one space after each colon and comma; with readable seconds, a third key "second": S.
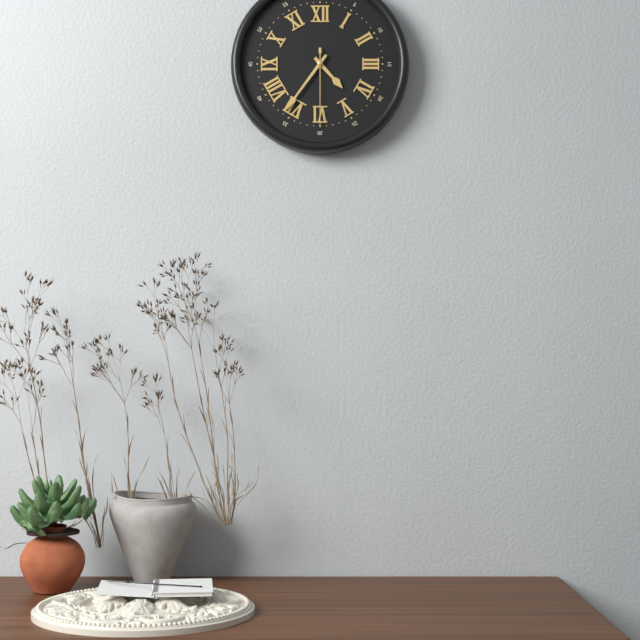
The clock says {"hour": 4, "minute": 36, "second": 30}
